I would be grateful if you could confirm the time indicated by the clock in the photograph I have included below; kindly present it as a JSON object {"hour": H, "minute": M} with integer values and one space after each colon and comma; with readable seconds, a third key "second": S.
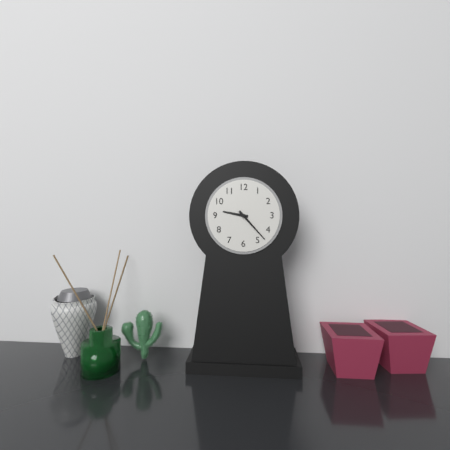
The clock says {"hour": 9, "minute": 23}
